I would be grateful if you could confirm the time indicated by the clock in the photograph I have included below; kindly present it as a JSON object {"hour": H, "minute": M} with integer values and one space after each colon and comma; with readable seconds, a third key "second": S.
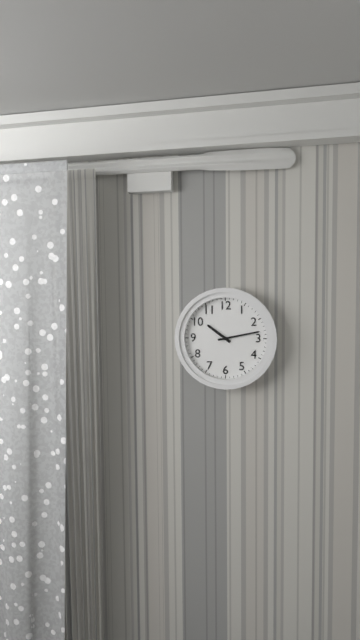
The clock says {"hour": 10, "minute": 13}
